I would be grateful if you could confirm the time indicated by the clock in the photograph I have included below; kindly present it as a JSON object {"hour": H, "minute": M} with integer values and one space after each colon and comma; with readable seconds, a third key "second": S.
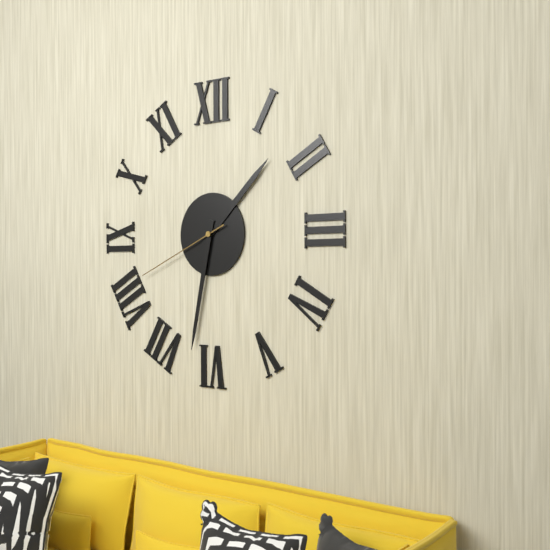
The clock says {"hour": 1, "minute": 32, "second": 41}
